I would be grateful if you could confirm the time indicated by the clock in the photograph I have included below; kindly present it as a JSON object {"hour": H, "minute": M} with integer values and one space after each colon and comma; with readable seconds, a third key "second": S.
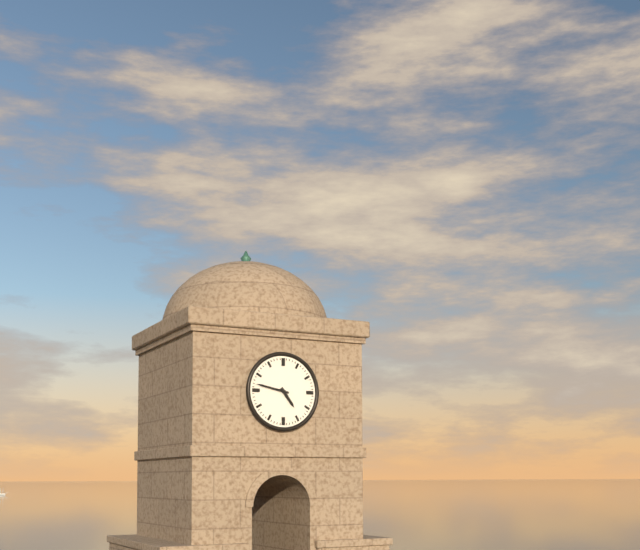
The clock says {"hour": 4, "minute": 47}
